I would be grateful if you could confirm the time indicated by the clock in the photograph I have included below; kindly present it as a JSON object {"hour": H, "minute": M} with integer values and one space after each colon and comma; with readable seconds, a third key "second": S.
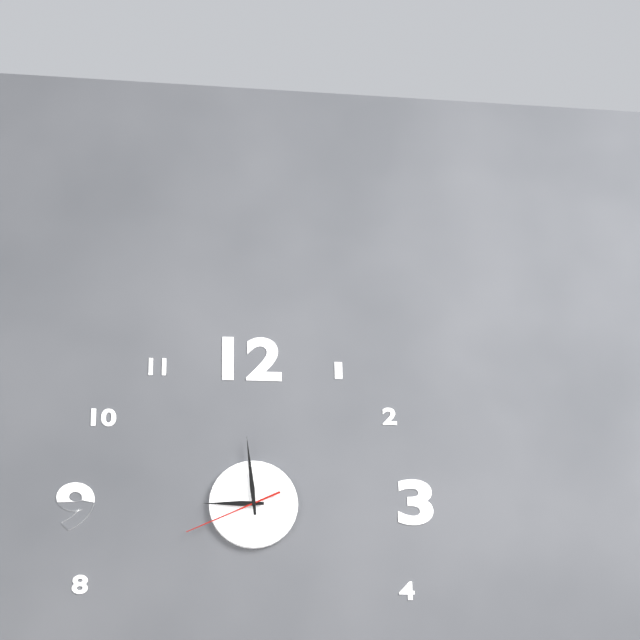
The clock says {"hour": 8, "minute": 59, "second": 41}
